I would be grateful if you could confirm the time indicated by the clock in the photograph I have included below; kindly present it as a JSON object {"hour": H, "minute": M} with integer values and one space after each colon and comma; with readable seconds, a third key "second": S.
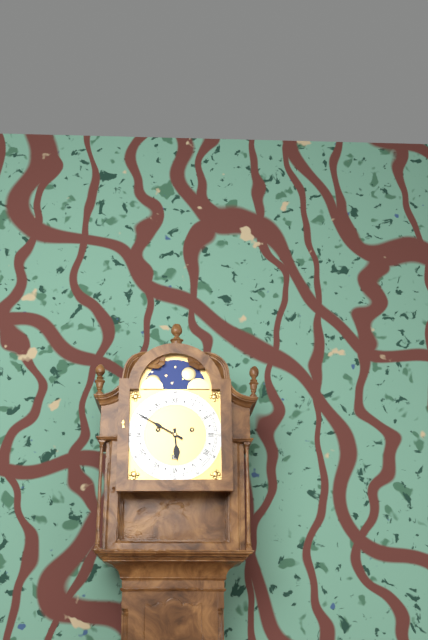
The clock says {"hour": 5, "minute": 50}
